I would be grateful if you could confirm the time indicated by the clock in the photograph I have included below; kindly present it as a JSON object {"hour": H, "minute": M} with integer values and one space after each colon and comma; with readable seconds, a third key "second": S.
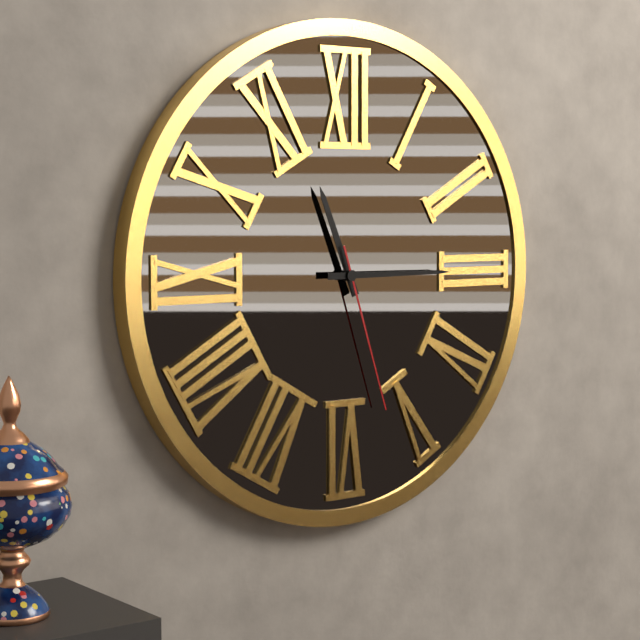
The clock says {"hour": 11, "minute": 15, "second": 27}
